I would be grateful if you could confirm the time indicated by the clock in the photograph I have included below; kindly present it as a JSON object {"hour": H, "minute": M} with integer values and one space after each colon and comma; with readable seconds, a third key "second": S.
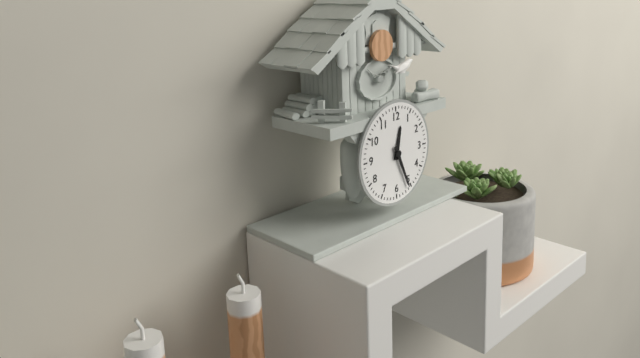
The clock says {"hour": 12, "minute": 26}
